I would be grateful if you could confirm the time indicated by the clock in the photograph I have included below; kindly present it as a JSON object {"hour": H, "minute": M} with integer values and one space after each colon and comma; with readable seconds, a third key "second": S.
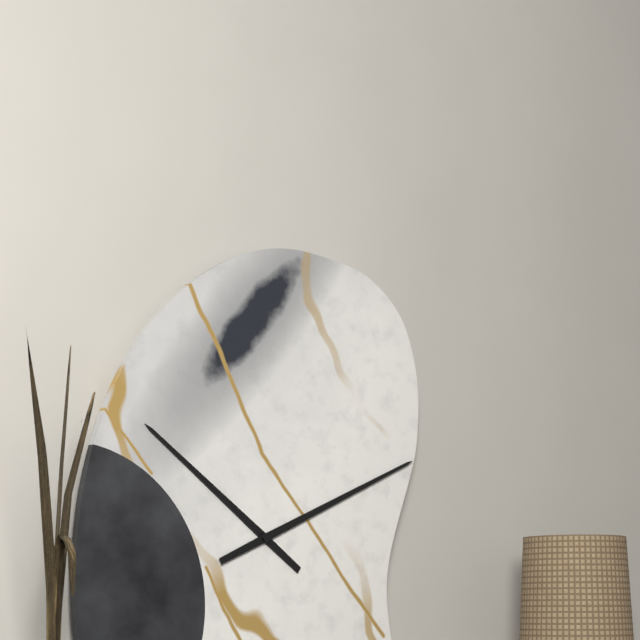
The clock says {"hour": 10, "minute": 11}
